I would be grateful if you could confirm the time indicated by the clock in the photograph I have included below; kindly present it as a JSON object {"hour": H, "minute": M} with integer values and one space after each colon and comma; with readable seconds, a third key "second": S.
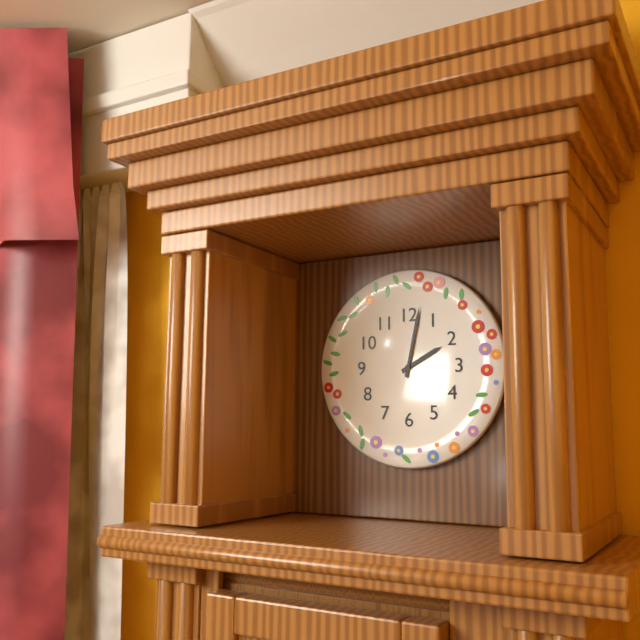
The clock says {"hour": 2, "minute": 2}
